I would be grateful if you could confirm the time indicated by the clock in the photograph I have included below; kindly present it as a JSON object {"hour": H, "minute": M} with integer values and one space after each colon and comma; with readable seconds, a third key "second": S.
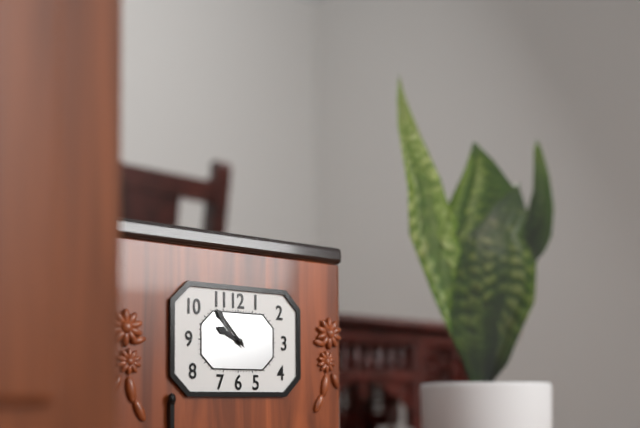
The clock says {"hour": 9, "minute": 53}
